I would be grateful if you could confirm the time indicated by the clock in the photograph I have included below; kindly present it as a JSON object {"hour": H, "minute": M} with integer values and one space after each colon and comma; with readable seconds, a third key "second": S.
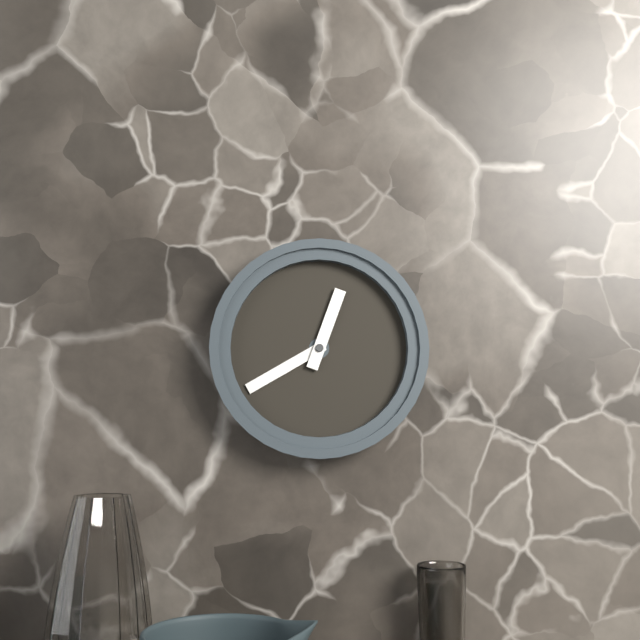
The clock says {"hour": 12, "minute": 40}
